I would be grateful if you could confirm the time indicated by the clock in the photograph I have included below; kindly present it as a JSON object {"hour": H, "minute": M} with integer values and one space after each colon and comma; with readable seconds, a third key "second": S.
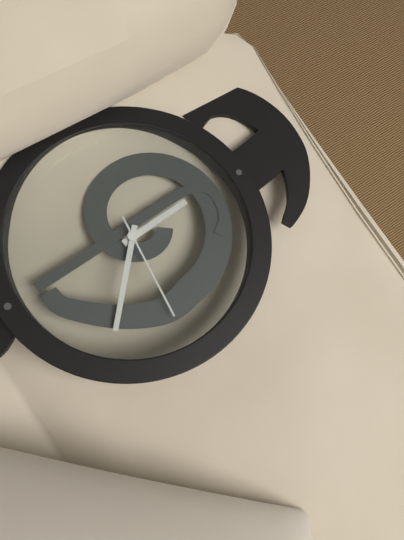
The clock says {"hour": 5, "minute": 52, "second": 46}
